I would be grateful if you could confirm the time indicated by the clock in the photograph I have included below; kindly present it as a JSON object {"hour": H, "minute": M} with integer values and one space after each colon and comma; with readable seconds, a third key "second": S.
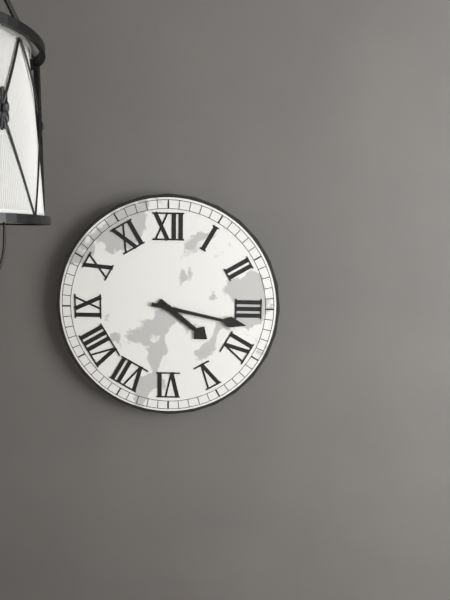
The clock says {"hour": 4, "minute": 17}
